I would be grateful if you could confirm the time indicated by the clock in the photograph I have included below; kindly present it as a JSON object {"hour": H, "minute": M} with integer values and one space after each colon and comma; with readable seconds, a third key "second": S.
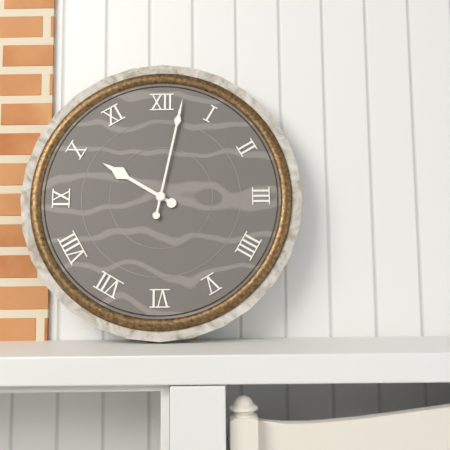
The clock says {"hour": 10, "minute": 2}
